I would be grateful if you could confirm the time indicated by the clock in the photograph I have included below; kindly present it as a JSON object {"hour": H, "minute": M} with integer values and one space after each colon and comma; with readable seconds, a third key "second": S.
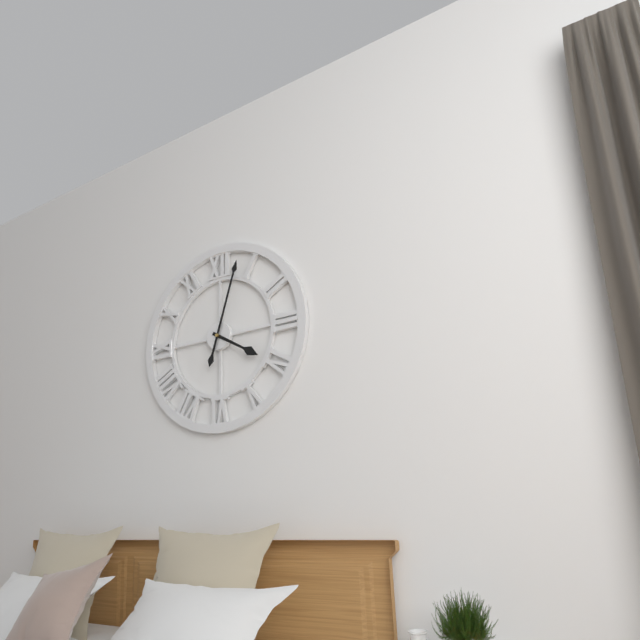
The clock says {"hour": 4, "minute": 3}
